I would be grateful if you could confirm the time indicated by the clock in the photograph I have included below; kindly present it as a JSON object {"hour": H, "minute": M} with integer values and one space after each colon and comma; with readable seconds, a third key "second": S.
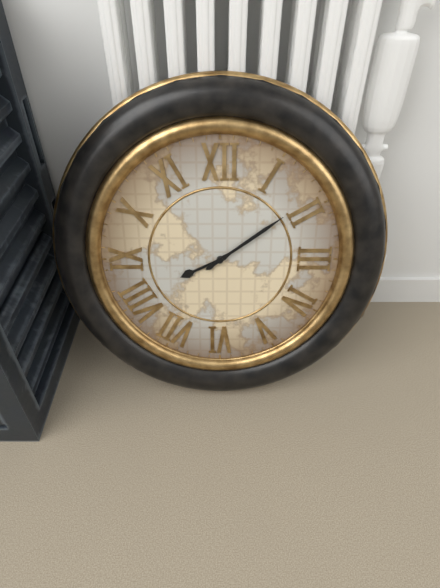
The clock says {"hour": 8, "minute": 9}
